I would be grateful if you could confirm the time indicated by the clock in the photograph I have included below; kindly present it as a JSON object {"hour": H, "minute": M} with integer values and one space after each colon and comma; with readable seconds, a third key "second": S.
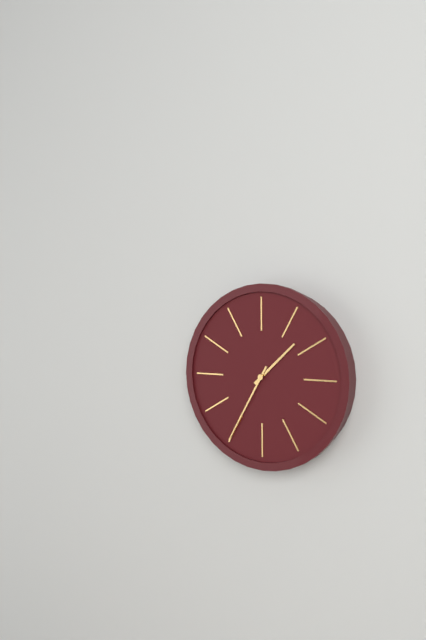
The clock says {"hour": 1, "minute": 35}
